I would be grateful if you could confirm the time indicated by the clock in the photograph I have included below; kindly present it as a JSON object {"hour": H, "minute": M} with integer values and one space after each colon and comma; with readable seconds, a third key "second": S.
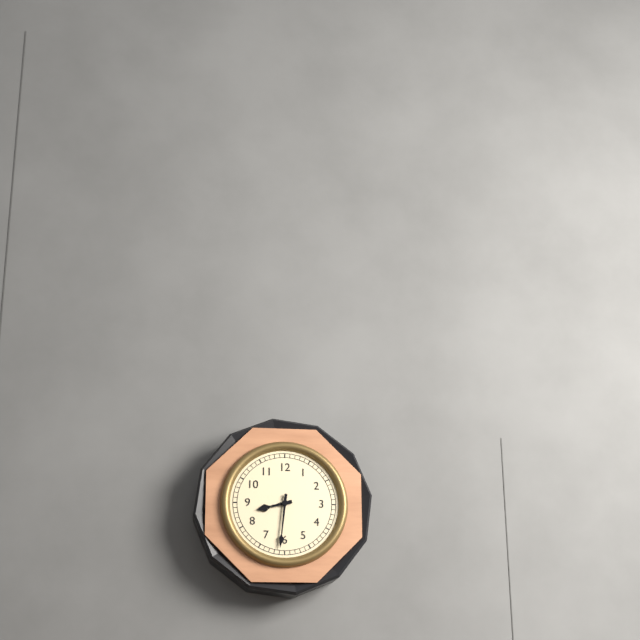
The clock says {"hour": 8, "minute": 31}
